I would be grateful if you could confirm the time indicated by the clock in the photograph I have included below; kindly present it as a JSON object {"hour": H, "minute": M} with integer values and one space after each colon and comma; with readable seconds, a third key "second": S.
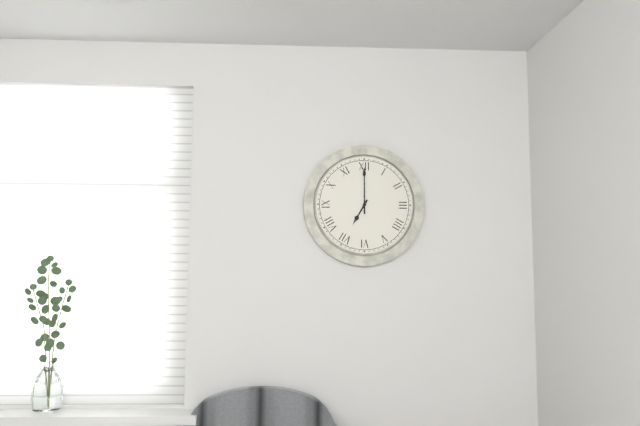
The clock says {"hour": 7, "minute": 0}
